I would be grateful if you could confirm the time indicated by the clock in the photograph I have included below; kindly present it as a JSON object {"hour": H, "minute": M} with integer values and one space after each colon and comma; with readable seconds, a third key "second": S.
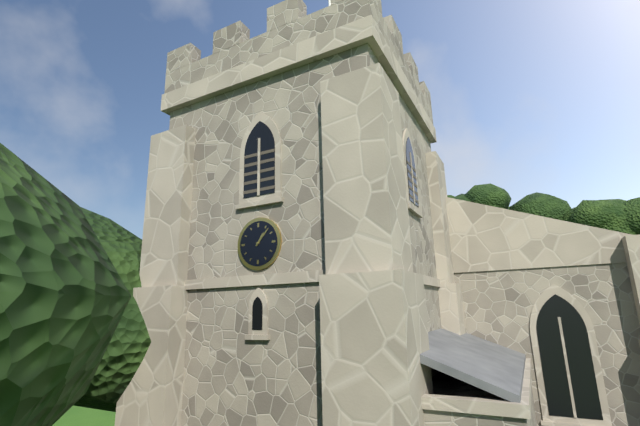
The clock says {"hour": 1, "minute": 7}
